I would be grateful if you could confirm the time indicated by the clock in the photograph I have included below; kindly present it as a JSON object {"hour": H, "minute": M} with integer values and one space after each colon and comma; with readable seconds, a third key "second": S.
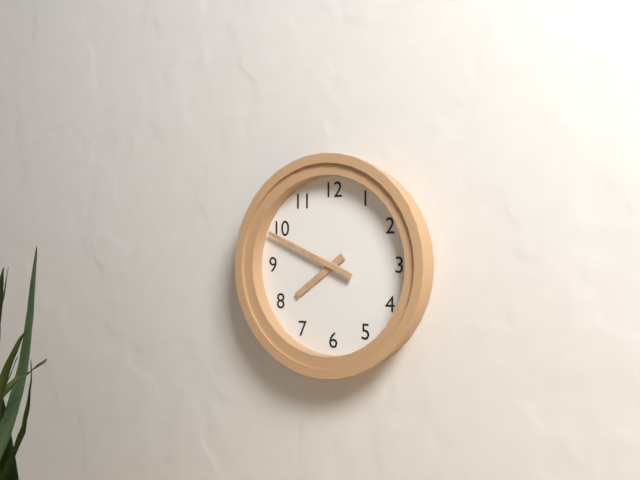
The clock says {"hour": 7, "minute": 49}
